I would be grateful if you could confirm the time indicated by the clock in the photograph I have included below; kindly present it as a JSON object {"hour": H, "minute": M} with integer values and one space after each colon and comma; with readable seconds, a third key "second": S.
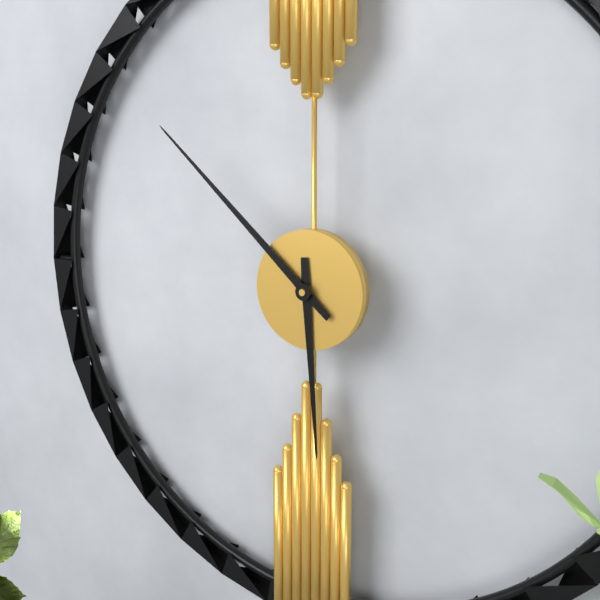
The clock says {"hour": 5, "minute": 52}
